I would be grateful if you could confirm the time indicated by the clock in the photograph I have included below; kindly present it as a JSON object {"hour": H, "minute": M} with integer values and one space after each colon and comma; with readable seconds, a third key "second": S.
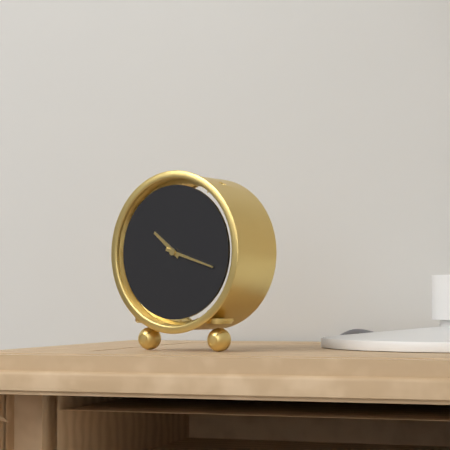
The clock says {"hour": 10, "minute": 18}
